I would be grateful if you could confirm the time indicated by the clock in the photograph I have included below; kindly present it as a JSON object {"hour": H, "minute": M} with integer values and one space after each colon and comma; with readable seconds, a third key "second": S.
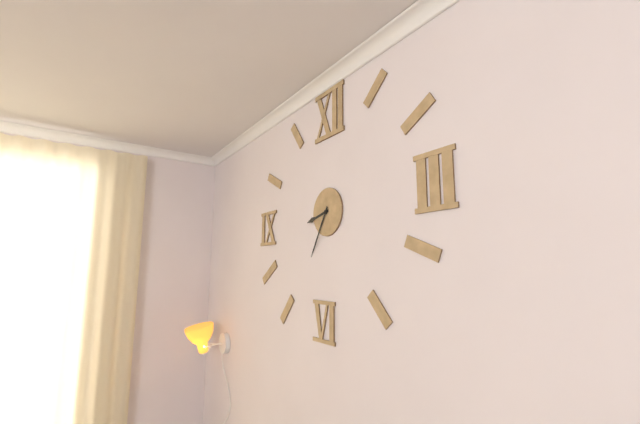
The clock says {"hour": 8, "minute": 35}
